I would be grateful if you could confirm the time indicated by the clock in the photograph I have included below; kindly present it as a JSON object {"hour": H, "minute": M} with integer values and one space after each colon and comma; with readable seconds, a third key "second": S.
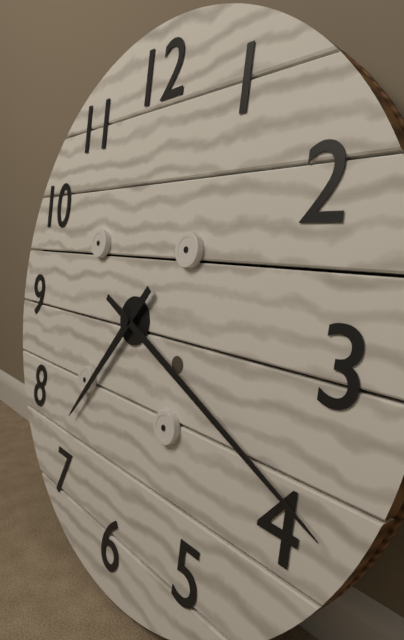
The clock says {"hour": 7, "minute": 19}
